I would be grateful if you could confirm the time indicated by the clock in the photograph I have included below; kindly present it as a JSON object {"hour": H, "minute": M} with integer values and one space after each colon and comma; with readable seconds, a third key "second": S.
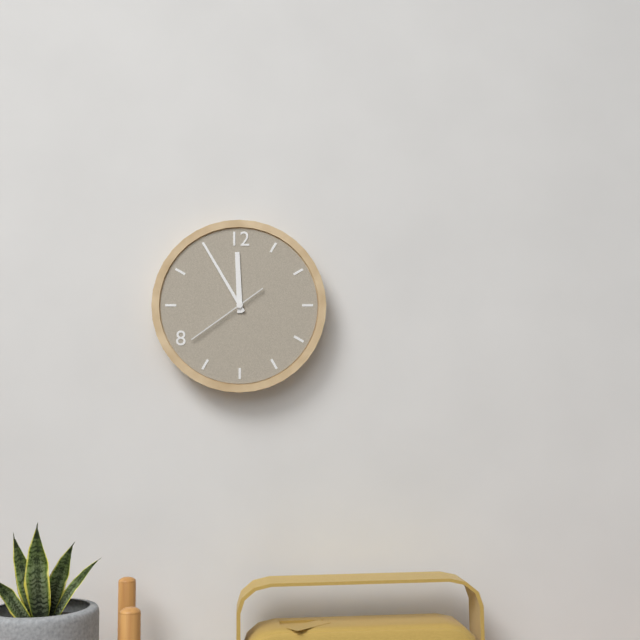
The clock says {"hour": 11, "minute": 55, "second": 39}
